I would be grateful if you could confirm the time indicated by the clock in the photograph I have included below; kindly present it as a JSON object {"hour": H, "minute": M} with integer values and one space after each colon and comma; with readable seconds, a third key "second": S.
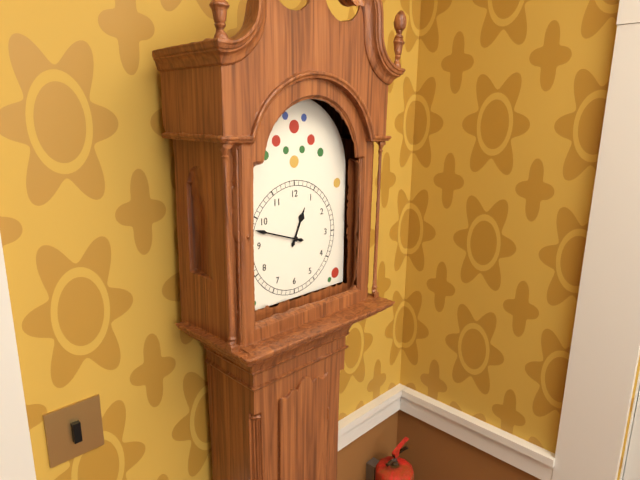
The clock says {"hour": 12, "minute": 48}
